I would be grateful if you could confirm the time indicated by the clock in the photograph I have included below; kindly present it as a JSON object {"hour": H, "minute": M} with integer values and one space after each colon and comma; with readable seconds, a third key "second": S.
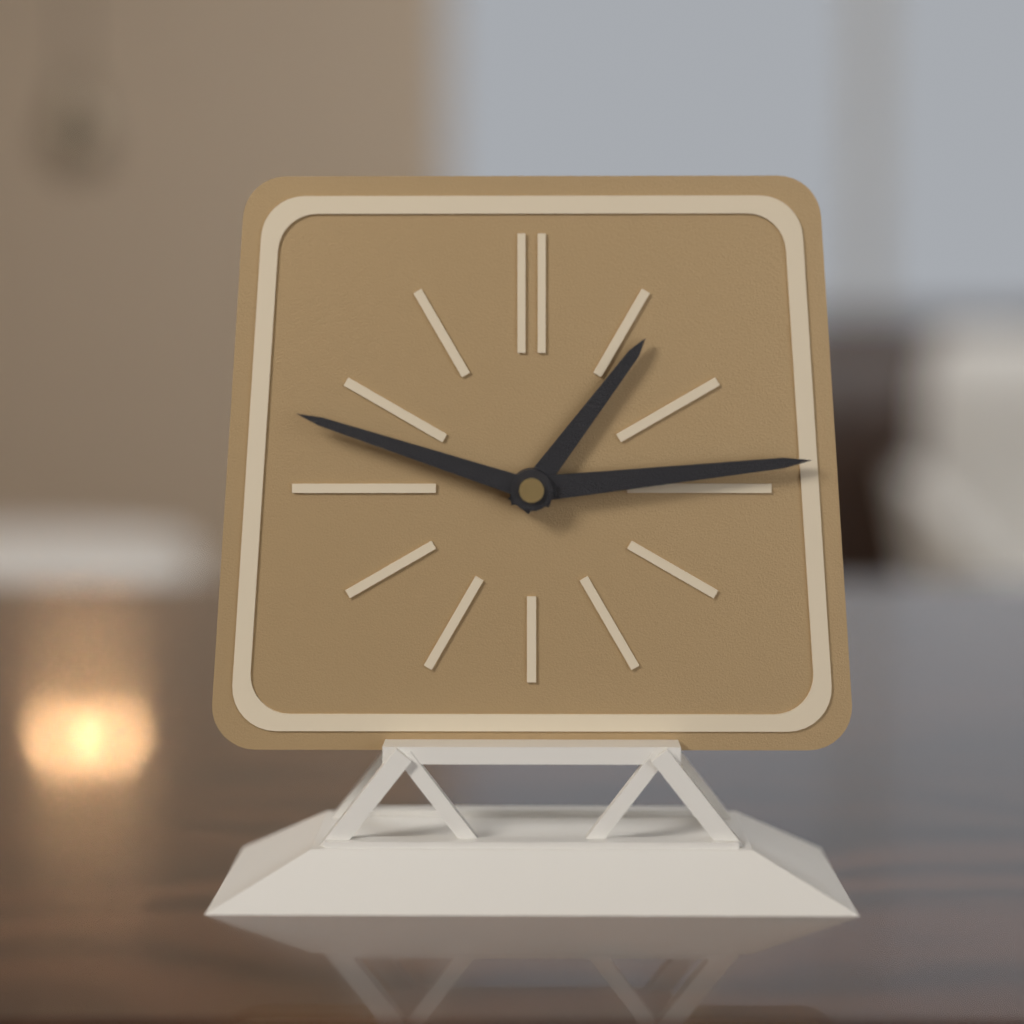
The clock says {"hour": 1, "minute": 14, "second": 48}
